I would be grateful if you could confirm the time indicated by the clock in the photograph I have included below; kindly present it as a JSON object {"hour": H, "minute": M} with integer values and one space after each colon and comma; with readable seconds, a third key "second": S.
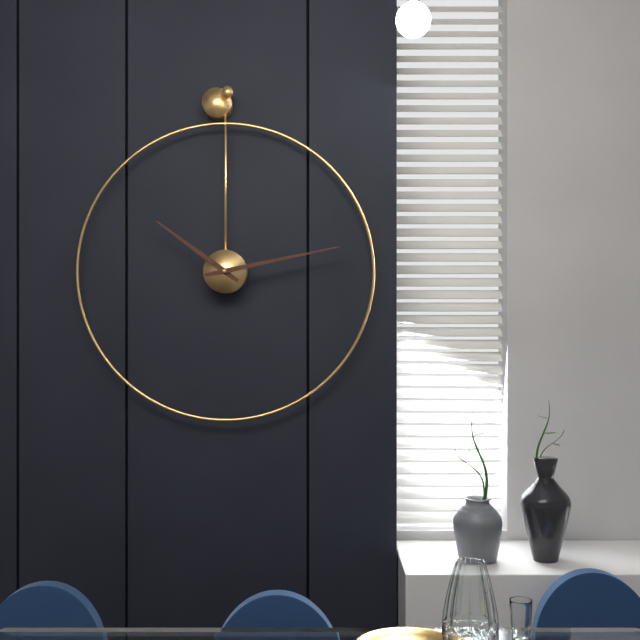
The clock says {"hour": 10, "minute": 13}
